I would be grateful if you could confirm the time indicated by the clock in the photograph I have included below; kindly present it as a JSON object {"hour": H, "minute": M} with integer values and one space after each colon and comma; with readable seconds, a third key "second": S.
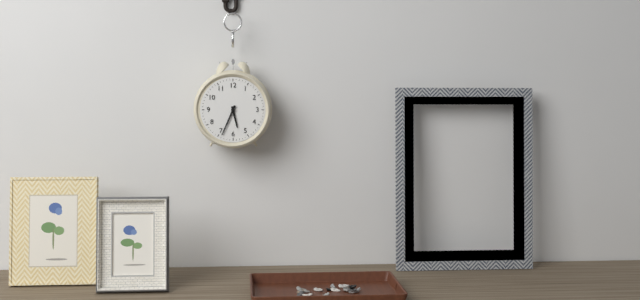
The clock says {"hour": 5, "minute": 34}
